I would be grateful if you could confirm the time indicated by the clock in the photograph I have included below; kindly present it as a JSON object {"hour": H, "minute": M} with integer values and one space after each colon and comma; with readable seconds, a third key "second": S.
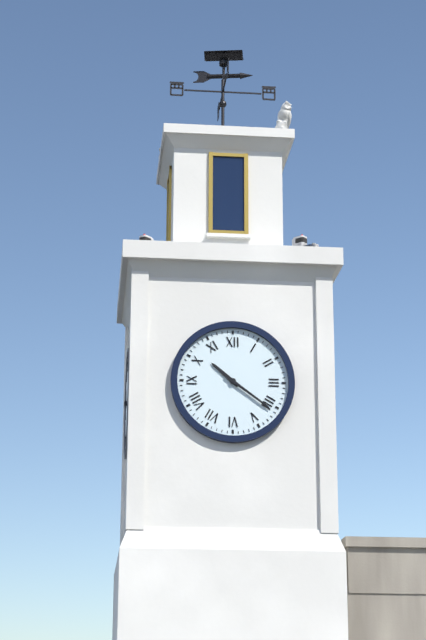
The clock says {"hour": 10, "minute": 21}
